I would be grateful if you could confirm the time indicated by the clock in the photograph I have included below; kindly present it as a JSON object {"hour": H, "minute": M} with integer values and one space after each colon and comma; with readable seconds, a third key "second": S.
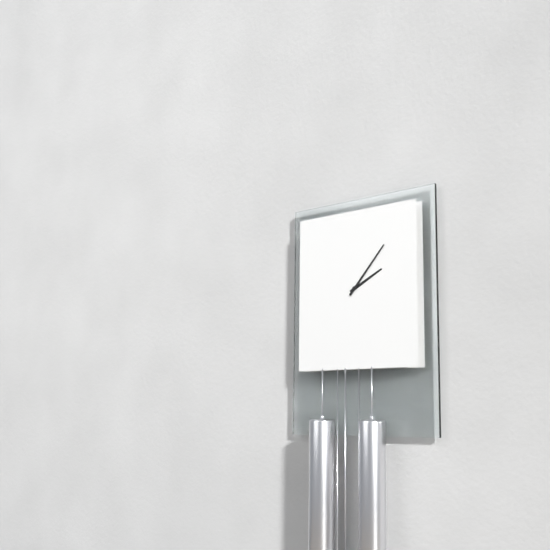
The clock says {"hour": 2, "minute": 7}
